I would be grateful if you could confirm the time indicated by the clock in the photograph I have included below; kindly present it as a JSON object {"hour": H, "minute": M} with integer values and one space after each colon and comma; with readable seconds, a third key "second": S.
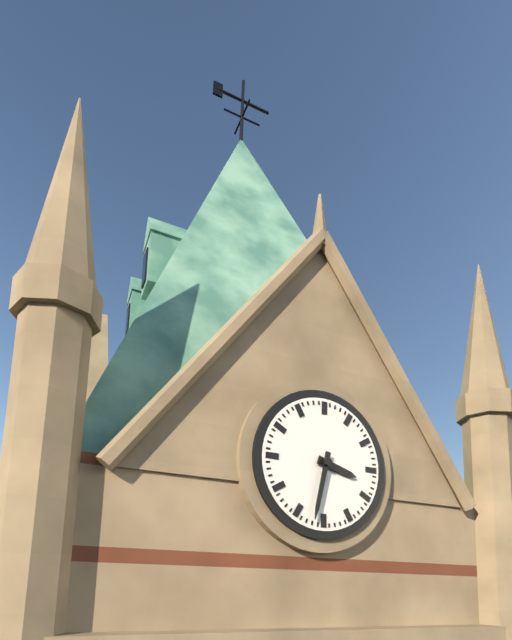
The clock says {"hour": 3, "minute": 32}
